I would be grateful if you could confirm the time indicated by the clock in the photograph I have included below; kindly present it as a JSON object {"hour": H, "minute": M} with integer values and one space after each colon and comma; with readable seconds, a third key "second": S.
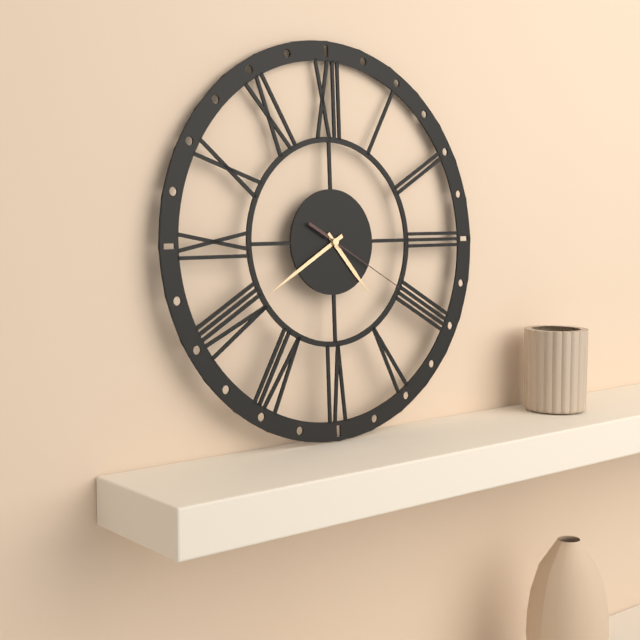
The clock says {"hour": 4, "minute": 40, "second": 20}
